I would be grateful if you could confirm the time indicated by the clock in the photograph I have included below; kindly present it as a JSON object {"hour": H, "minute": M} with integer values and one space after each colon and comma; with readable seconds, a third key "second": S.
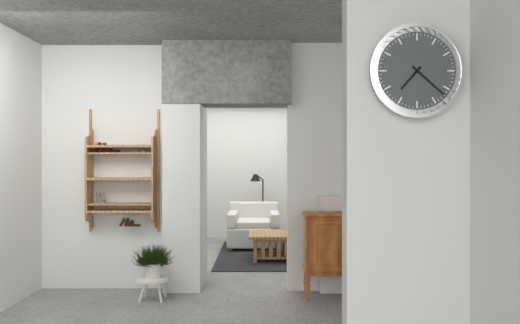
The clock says {"hour": 7, "minute": 22}
